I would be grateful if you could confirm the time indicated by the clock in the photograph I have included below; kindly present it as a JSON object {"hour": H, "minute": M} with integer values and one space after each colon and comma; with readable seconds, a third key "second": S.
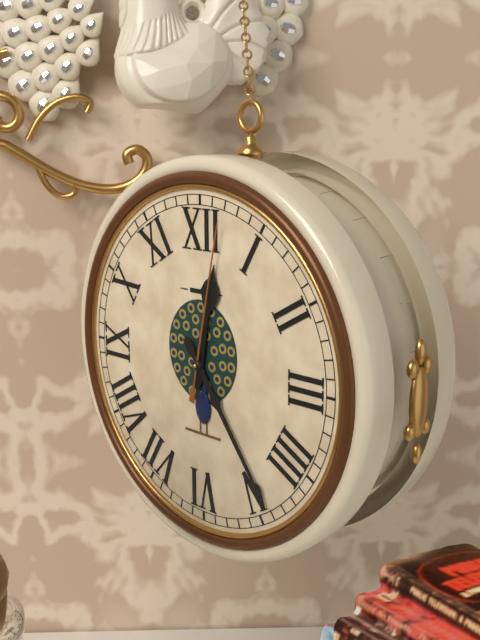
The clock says {"hour": 12, "minute": 24, "second": 2}
